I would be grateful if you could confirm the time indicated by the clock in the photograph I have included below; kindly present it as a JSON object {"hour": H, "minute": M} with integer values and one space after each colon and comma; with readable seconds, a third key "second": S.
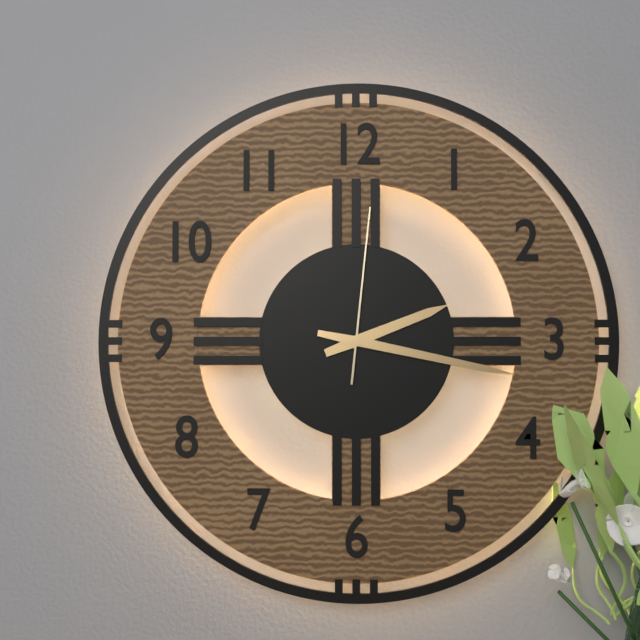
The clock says {"hour": 2, "minute": 17, "second": 1}
